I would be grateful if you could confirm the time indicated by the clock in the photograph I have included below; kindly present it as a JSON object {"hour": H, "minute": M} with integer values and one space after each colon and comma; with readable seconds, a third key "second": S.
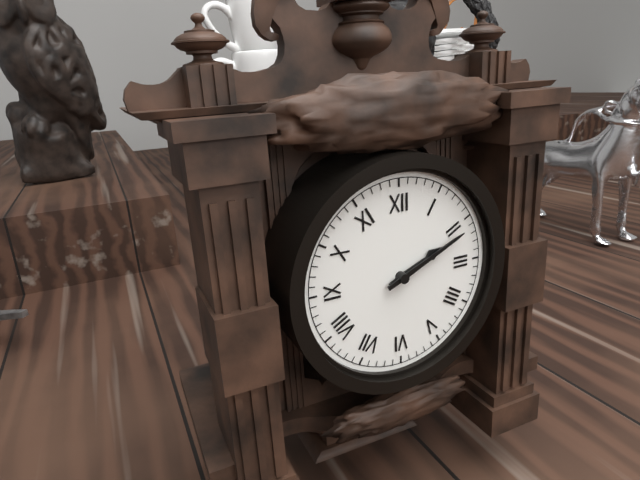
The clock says {"hour": 2, "minute": 11}
